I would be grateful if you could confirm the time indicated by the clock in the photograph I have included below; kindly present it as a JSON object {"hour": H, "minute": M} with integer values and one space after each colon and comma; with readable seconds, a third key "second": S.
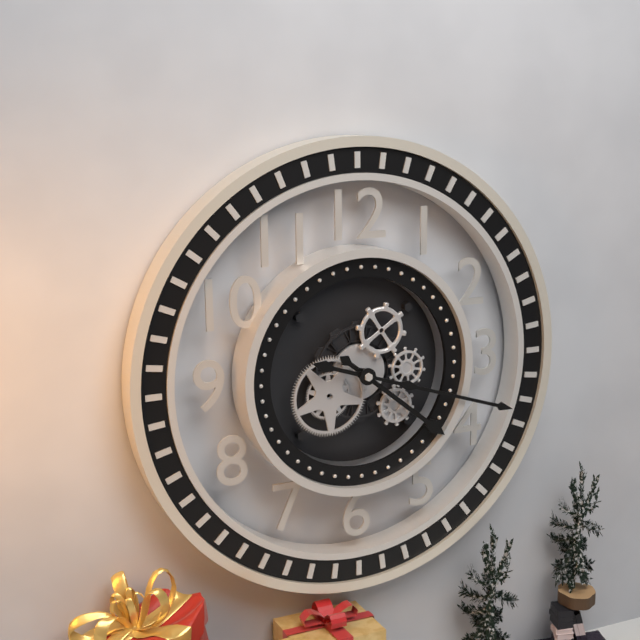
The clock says {"hour": 4, "minute": 18}
